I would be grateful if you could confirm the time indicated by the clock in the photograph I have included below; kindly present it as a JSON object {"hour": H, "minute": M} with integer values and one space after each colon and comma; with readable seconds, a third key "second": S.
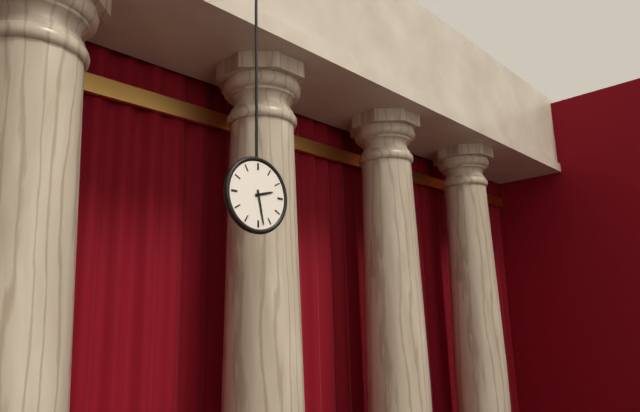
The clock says {"hour": 2, "minute": 28}
